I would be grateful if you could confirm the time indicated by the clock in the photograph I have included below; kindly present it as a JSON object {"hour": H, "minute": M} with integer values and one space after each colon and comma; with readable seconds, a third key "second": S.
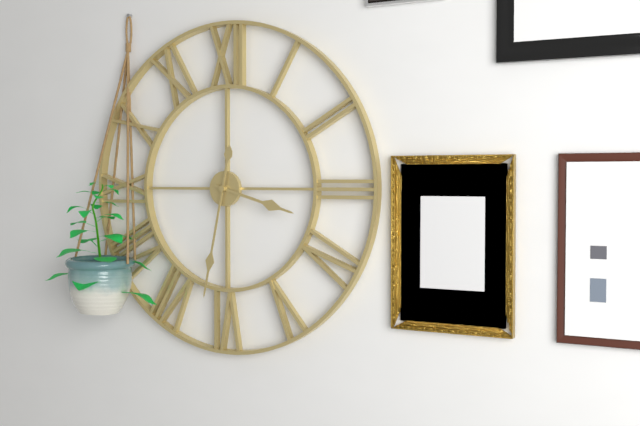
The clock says {"hour": 3, "minute": 32}
